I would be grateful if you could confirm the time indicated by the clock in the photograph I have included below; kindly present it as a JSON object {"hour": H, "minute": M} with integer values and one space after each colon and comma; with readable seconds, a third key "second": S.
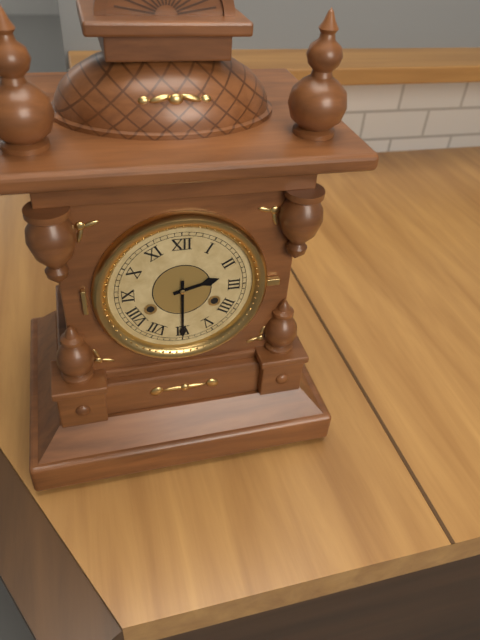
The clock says {"hour": 2, "minute": 30}
